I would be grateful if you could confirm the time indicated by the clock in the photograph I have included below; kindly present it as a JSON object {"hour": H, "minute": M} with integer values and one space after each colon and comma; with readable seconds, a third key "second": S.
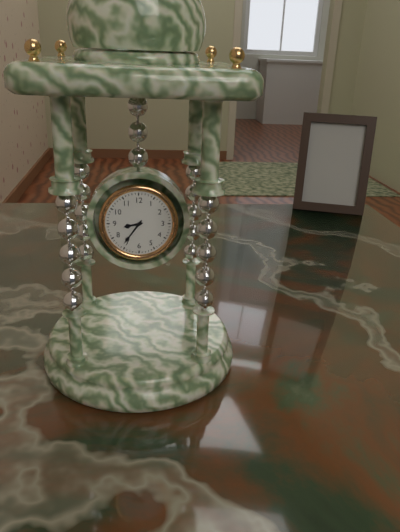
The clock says {"hour": 8, "minute": 36}
